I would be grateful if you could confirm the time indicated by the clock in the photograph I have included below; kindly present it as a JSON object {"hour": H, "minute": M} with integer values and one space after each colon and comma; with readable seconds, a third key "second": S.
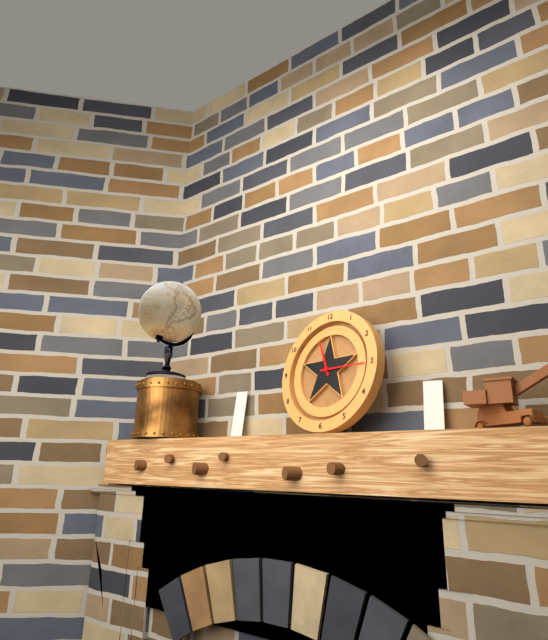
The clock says {"hour": 11, "minute": 15}
